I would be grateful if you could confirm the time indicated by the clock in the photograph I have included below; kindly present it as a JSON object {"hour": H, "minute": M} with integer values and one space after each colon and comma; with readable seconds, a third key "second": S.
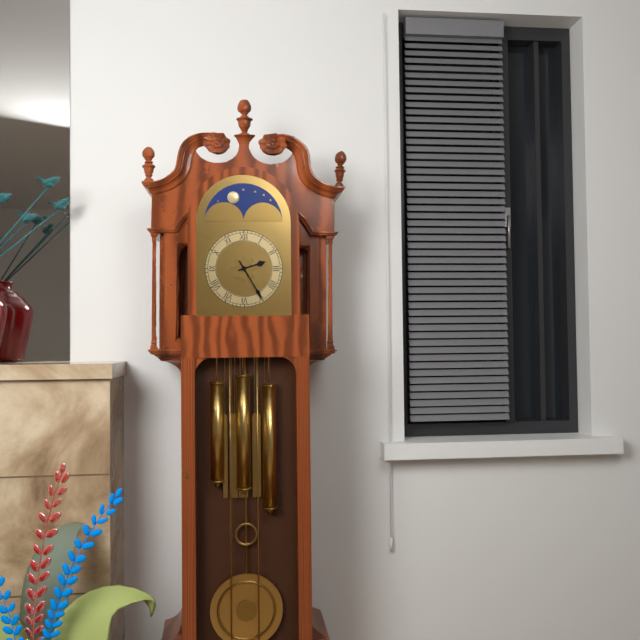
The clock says {"hour": 2, "minute": 25}
